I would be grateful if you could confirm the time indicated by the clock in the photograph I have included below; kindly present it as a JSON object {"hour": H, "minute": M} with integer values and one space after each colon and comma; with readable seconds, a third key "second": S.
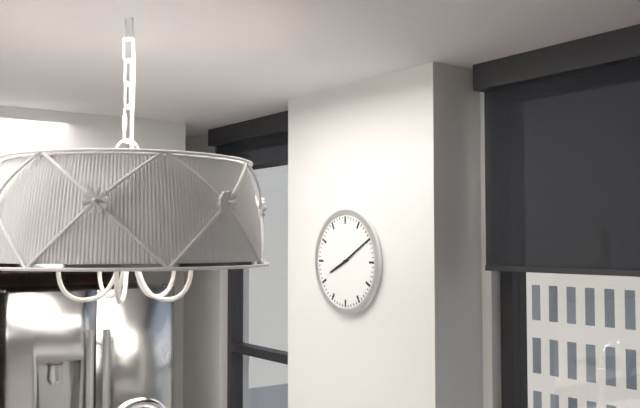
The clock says {"hour": 8, "minute": 10}
